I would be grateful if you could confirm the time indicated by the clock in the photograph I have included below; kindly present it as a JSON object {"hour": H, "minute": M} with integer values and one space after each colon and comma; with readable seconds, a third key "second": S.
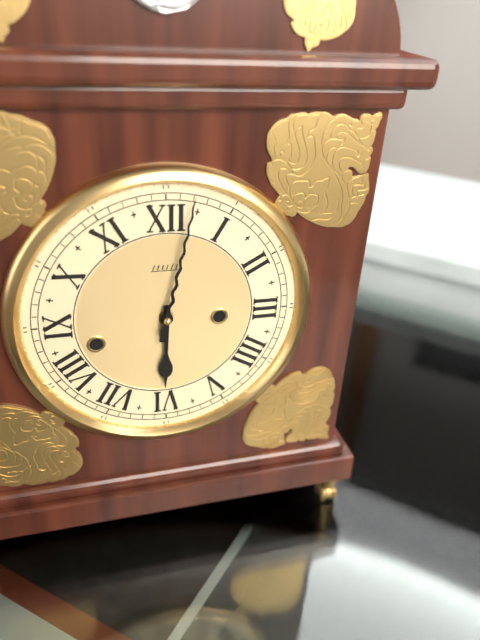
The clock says {"hour": 6, "minute": 2}
